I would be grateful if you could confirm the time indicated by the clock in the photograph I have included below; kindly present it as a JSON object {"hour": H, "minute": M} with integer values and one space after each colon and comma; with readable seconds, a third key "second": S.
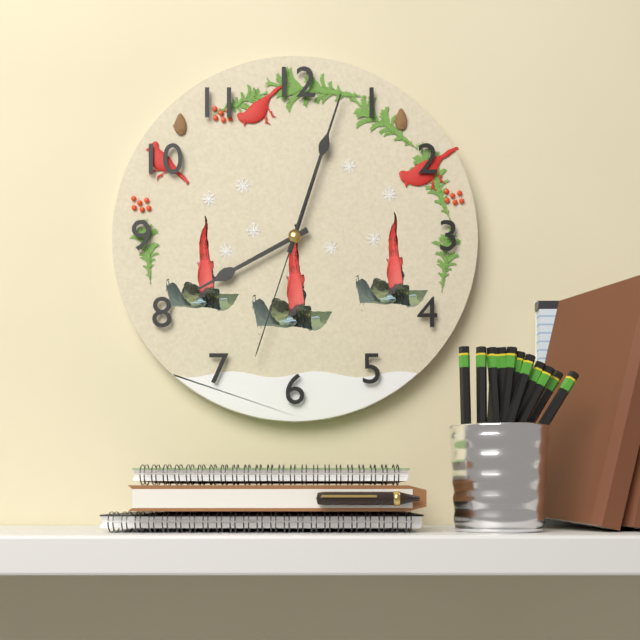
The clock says {"hour": 8, "minute": 3, "second": 33}
